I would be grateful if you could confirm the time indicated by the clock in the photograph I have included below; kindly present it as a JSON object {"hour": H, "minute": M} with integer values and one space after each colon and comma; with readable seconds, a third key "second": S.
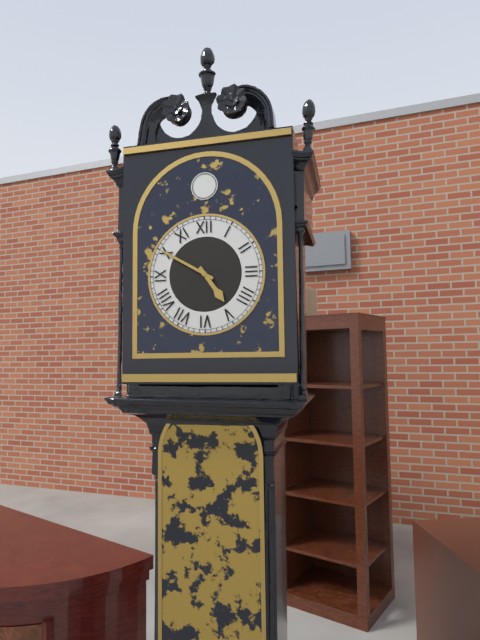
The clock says {"hour": 4, "minute": 50}
